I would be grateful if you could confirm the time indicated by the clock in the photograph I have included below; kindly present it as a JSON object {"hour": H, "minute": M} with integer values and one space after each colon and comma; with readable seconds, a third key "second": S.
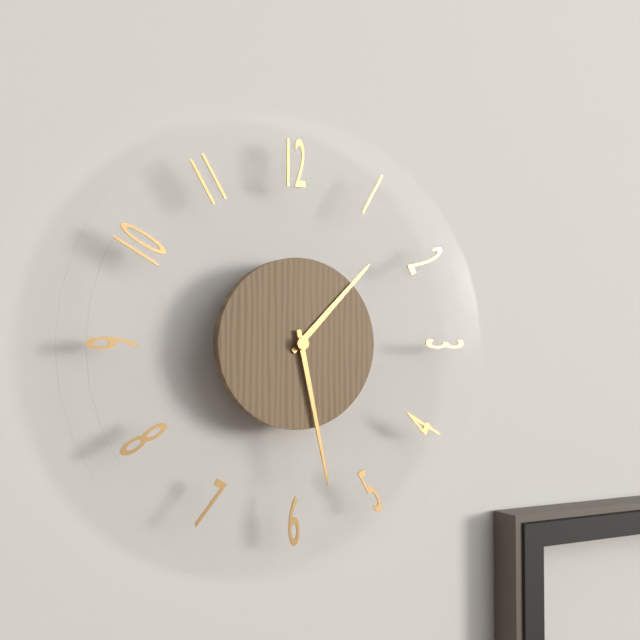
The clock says {"hour": 1, "minute": 28}
